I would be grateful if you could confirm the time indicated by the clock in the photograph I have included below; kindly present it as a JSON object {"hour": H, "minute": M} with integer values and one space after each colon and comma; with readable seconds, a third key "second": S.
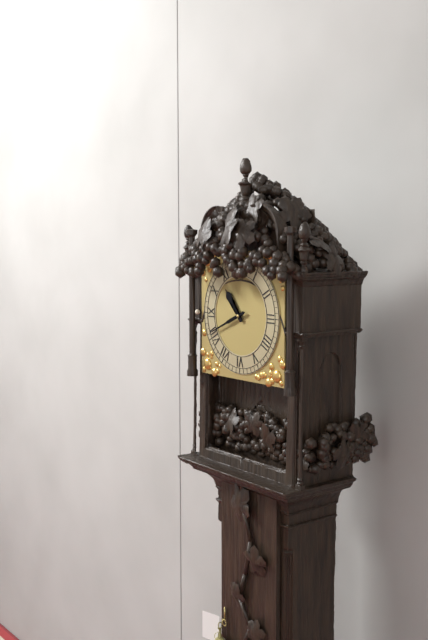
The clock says {"hour": 10, "minute": 41}
